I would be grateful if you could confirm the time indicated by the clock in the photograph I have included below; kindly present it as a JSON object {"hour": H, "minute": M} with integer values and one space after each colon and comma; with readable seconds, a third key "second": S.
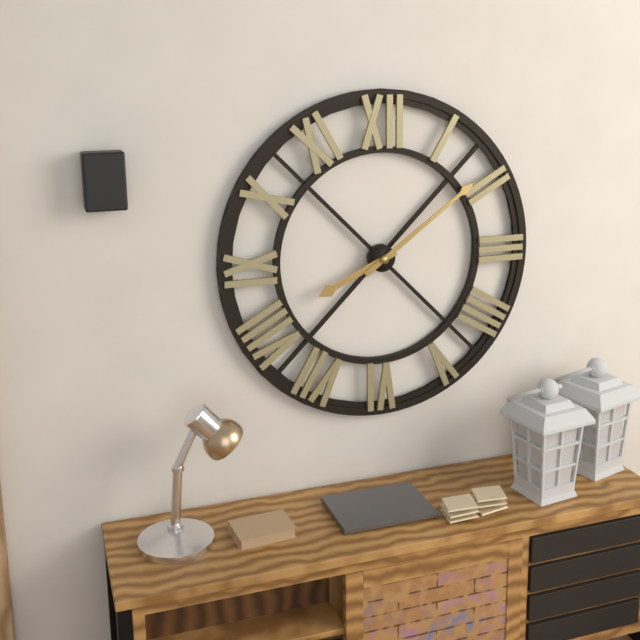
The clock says {"hour": 8, "minute": 9}
